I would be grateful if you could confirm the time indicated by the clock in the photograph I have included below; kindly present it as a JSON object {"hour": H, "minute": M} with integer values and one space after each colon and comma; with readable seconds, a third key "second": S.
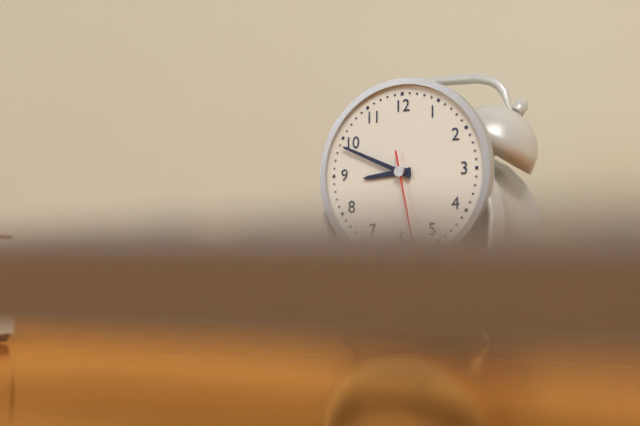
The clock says {"hour": 8, "minute": 49}
